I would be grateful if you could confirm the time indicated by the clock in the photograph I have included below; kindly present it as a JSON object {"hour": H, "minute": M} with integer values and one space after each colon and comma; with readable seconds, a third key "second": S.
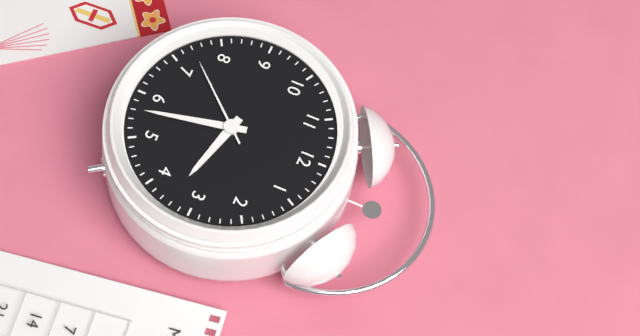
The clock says {"hour": 3, "minute": 28, "second": 37}
